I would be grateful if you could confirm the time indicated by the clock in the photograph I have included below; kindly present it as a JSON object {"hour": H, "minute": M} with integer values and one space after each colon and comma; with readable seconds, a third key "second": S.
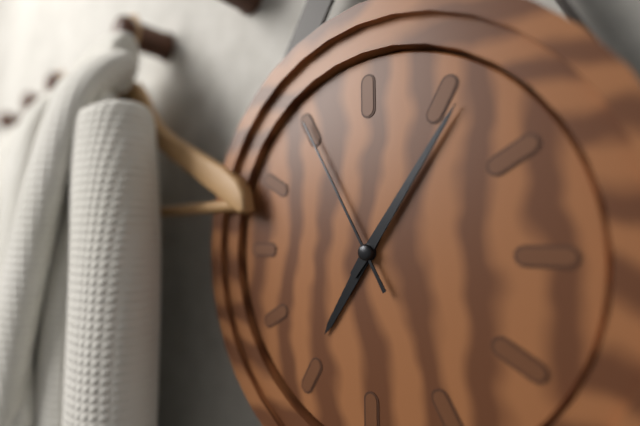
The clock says {"hour": 7, "minute": 6, "second": 55}
